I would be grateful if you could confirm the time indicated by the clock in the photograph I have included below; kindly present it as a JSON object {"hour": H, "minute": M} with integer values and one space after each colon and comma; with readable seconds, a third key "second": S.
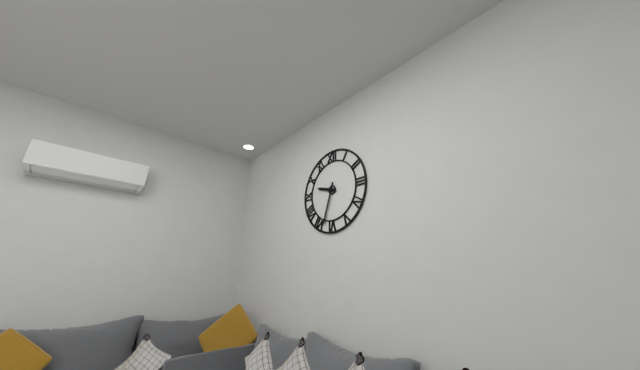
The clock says {"hour": 9, "minute": 33}
